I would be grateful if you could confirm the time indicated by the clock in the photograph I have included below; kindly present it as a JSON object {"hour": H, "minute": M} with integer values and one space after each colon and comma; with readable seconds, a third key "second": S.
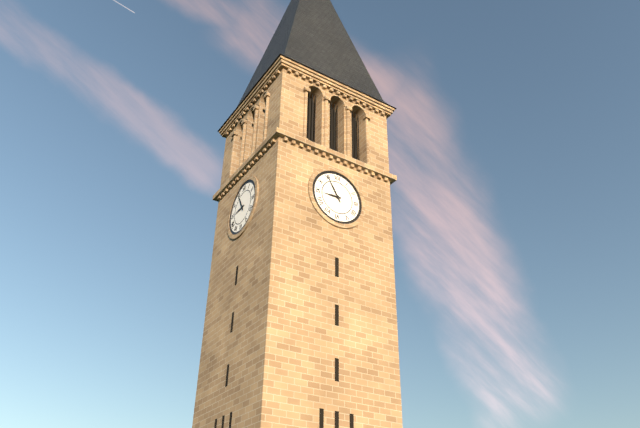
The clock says {"hour": 8, "minute": 55}
